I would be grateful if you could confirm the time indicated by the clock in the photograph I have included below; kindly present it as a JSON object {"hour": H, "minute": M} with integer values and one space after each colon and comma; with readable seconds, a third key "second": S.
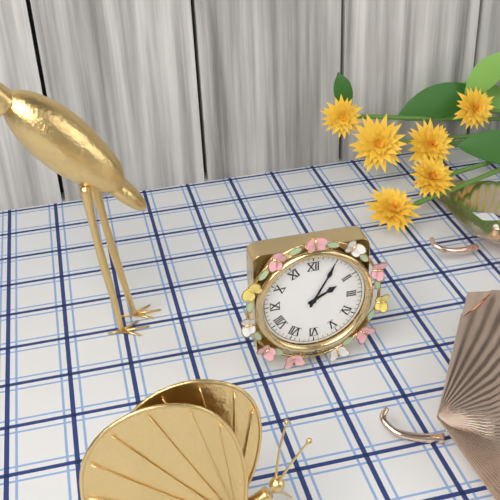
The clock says {"hour": 2, "minute": 5}
